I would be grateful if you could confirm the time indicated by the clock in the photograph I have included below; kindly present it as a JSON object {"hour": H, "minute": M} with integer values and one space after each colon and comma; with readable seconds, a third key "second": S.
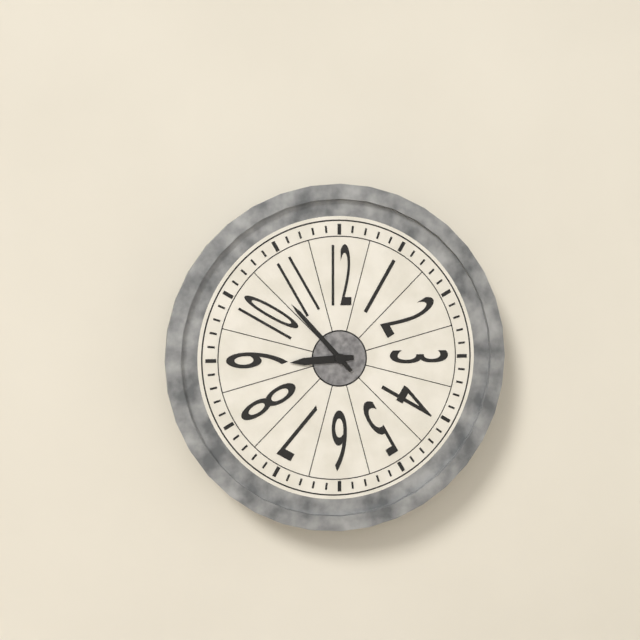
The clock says {"hour": 8, "minute": 53}
